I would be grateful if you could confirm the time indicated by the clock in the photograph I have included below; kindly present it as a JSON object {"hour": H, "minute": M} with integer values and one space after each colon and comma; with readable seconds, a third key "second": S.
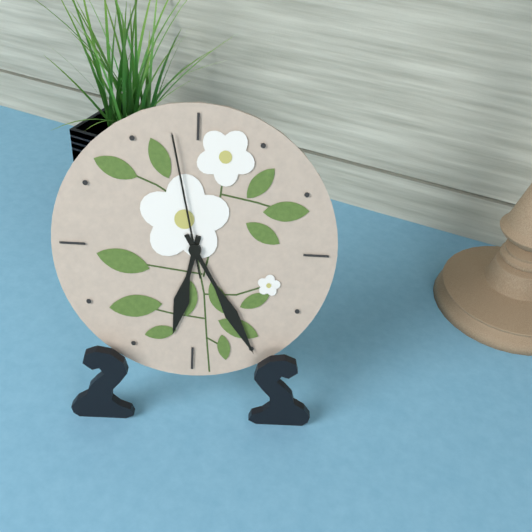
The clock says {"hour": 6, "minute": 25, "second": 58}
